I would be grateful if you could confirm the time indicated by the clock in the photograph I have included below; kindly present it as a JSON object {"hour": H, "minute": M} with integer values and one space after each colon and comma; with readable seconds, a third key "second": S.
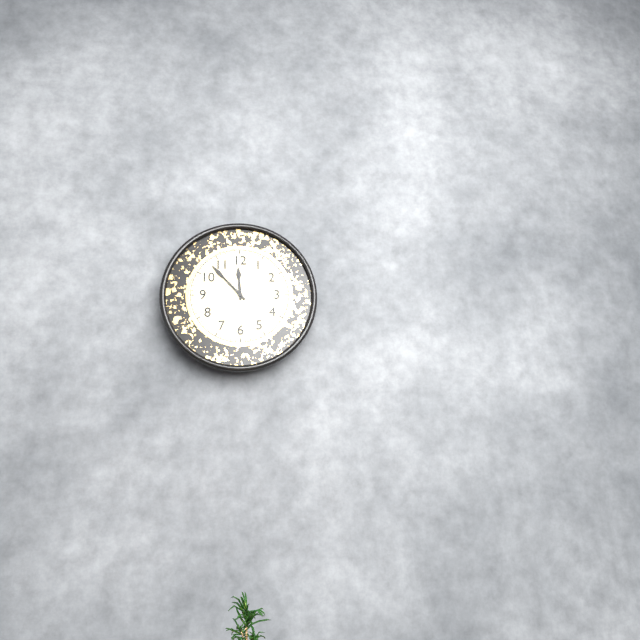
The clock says {"hour": 11, "minute": 53}
